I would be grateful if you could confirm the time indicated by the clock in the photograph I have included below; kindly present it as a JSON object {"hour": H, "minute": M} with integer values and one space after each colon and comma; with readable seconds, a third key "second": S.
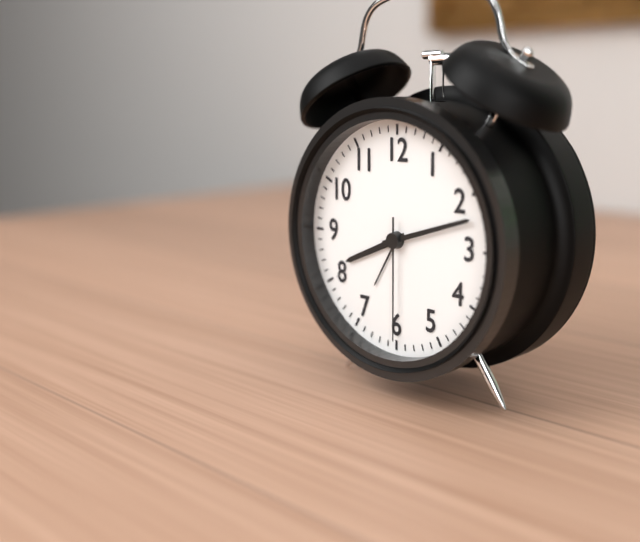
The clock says {"hour": 8, "minute": 12, "second": 30}
